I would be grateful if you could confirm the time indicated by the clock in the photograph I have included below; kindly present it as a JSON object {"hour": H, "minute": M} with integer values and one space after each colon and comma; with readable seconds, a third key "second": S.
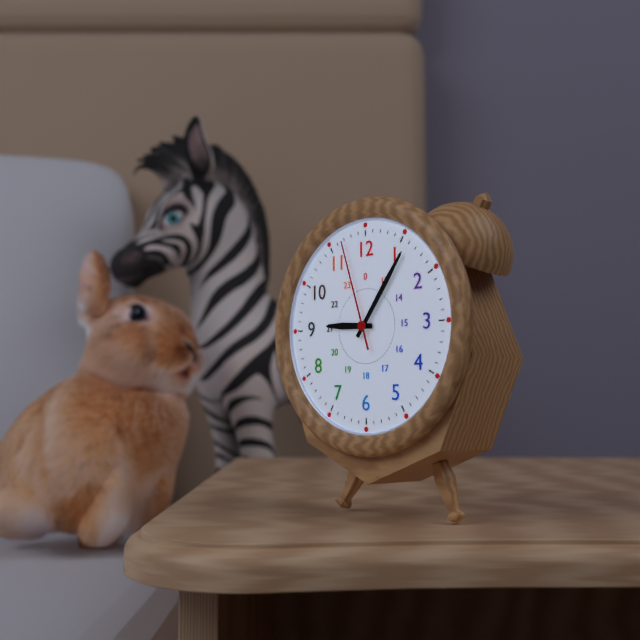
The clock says {"hour": 9, "minute": 6, "second": 57}
